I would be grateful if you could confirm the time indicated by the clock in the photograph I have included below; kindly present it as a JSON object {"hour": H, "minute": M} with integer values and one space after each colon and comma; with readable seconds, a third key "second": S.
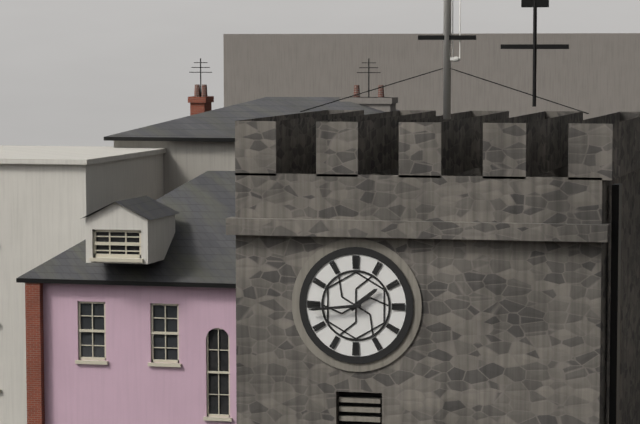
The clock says {"hour": 1, "minute": 44}
